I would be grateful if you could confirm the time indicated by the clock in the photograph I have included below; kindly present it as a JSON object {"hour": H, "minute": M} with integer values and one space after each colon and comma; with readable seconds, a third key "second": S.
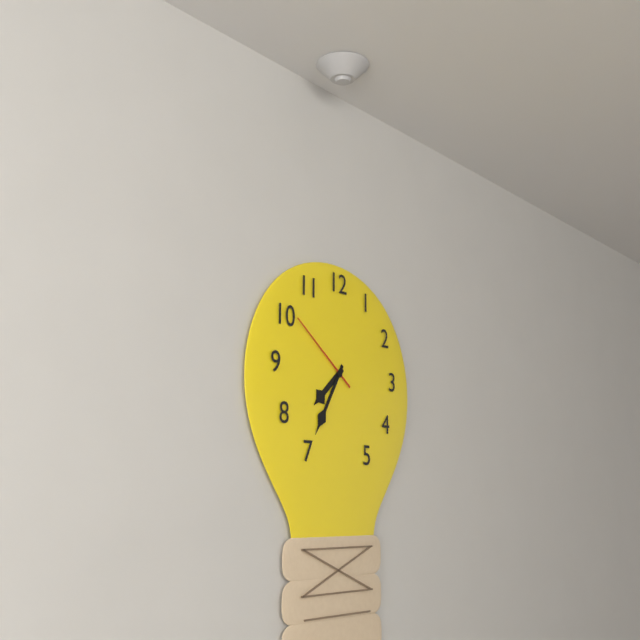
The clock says {"hour": 7, "minute": 35, "second": 51}
